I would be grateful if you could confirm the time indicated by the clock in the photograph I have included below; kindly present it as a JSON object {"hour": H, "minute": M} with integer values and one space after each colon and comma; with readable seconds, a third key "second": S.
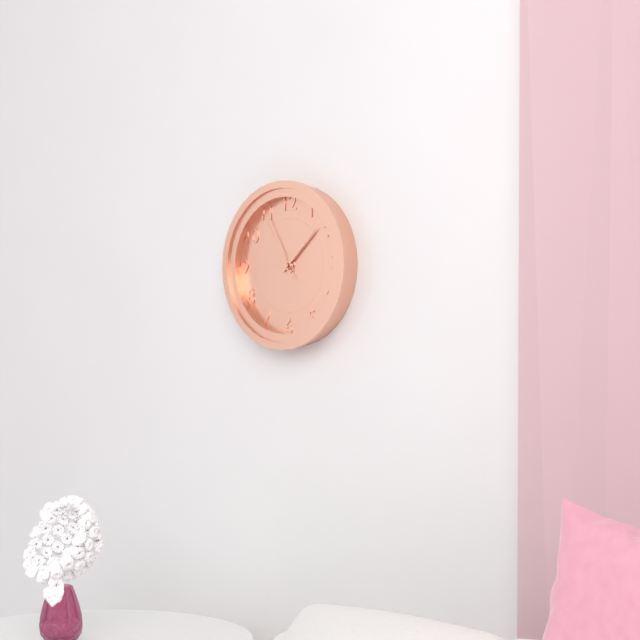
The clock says {"hour": 9, "minute": 8, "second": 55}
